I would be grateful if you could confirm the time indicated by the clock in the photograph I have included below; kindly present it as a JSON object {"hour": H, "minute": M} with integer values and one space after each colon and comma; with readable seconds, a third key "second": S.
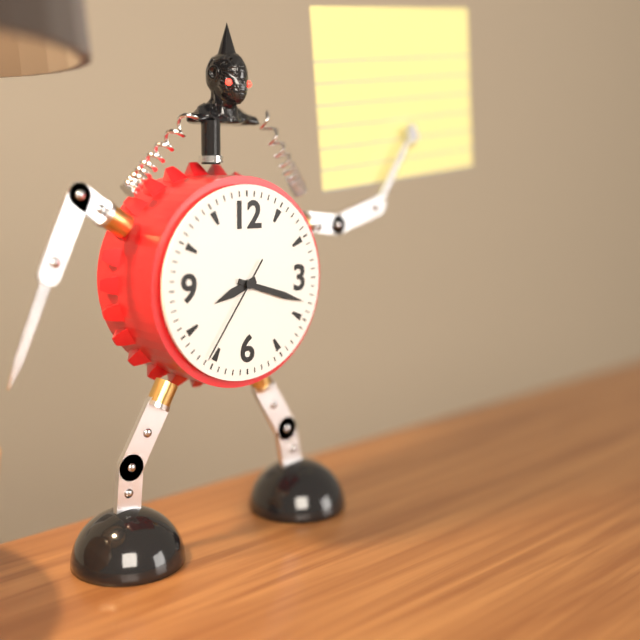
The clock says {"hour": 8, "minute": 18, "second": 36}
